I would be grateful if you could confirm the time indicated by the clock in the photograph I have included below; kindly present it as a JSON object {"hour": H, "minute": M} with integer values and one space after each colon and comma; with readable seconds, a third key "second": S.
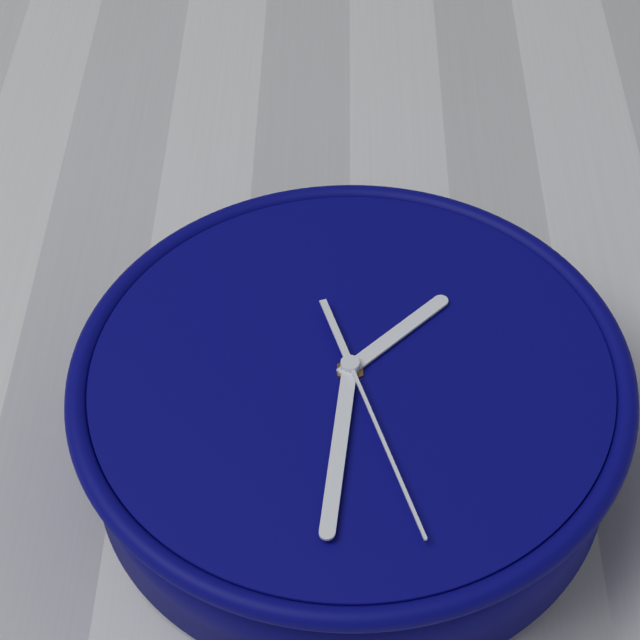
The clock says {"hour": 1, "minute": 31, "second": 27}
